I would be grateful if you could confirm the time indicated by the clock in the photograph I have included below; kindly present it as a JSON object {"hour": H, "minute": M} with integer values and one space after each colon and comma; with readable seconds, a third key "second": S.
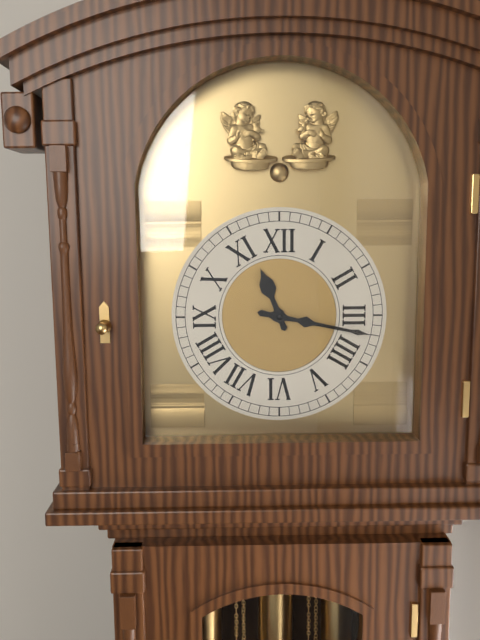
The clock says {"hour": 11, "minute": 17}
